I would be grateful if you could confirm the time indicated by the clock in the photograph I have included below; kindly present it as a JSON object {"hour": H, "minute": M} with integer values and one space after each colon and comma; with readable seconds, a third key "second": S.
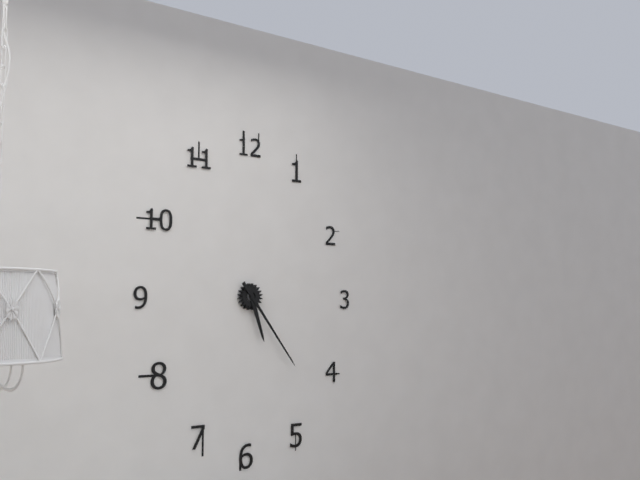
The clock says {"hour": 5, "minute": 24}
